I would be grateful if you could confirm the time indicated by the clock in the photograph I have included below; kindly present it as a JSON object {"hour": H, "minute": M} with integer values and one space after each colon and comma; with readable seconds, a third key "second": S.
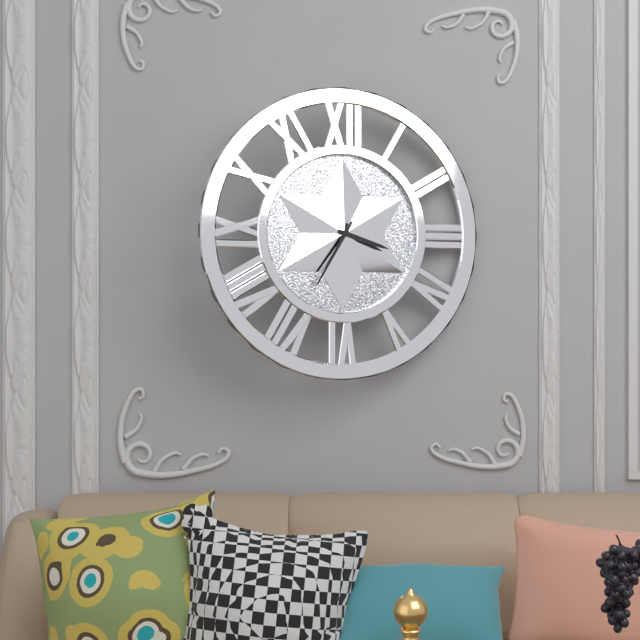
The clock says {"hour": 3, "minute": 35}
